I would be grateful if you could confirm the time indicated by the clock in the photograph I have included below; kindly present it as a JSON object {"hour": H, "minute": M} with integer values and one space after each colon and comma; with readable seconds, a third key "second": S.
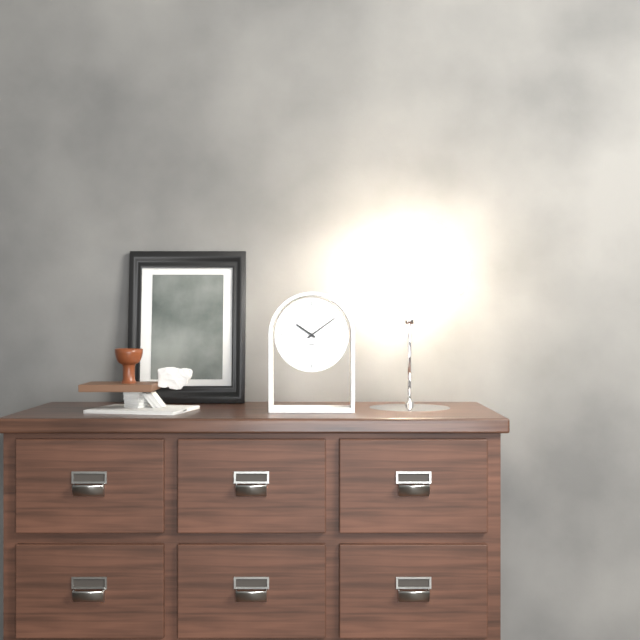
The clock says {"hour": 10, "minute": 9}
